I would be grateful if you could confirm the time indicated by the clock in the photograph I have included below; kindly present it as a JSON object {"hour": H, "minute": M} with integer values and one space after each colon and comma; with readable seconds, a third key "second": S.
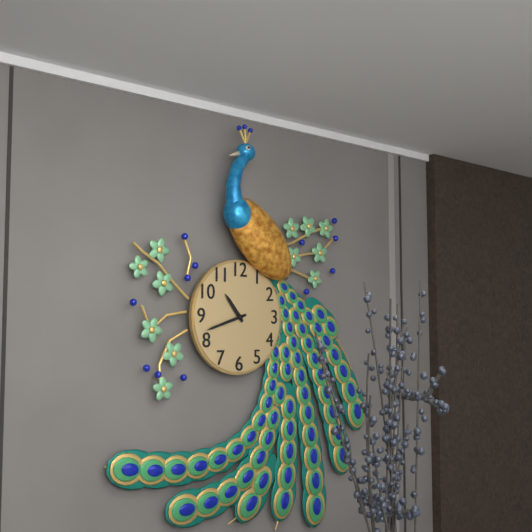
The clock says {"hour": 10, "minute": 42}
